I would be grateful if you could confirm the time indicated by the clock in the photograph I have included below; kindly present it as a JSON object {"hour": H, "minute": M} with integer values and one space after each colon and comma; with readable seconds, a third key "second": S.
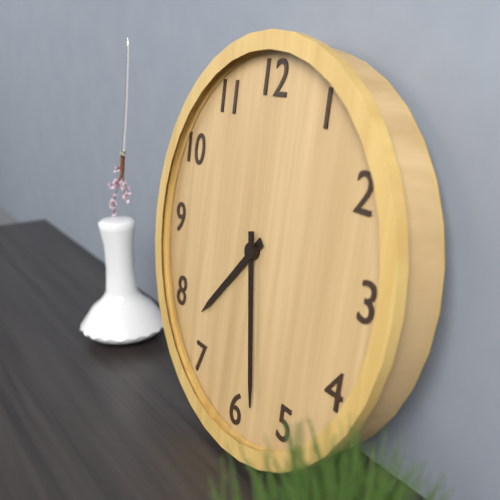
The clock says {"hour": 7, "minute": 28}
